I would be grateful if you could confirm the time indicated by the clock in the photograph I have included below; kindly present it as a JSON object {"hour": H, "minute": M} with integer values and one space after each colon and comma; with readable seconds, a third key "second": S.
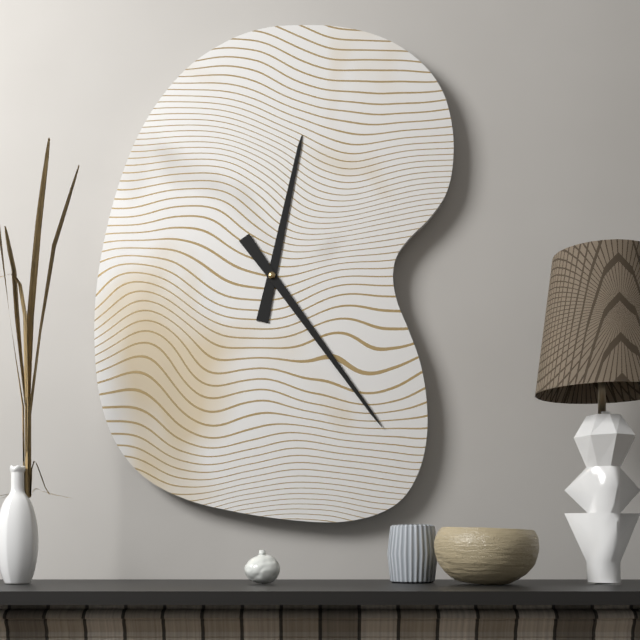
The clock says {"hour": 12, "minute": 24}
